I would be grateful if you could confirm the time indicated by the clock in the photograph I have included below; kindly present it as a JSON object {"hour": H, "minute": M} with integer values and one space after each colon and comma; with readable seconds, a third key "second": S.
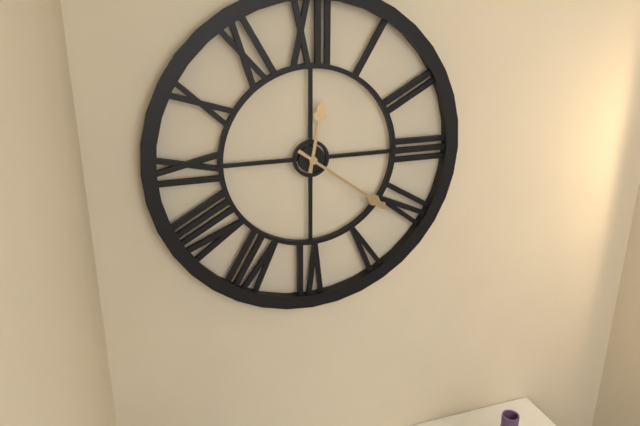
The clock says {"hour": 12, "minute": 21}
